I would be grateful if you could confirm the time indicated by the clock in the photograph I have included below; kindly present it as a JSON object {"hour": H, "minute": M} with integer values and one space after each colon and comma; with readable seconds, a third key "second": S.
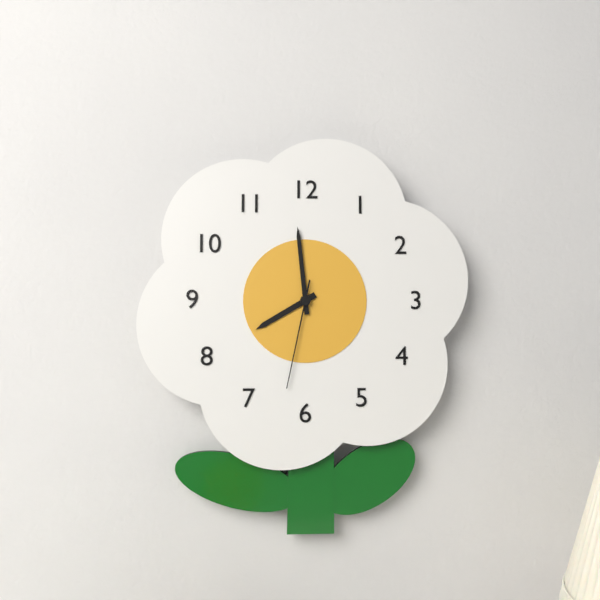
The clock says {"hour": 7, "minute": 59, "second": 32}
